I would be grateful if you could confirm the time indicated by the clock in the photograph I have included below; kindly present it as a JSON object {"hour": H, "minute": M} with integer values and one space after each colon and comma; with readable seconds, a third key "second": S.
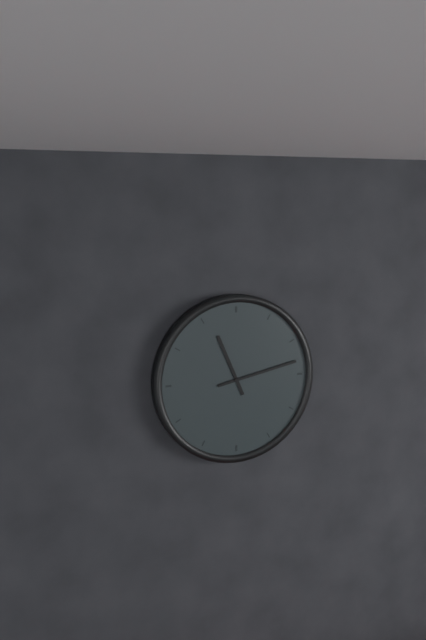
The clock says {"hour": 11, "minute": 13}
